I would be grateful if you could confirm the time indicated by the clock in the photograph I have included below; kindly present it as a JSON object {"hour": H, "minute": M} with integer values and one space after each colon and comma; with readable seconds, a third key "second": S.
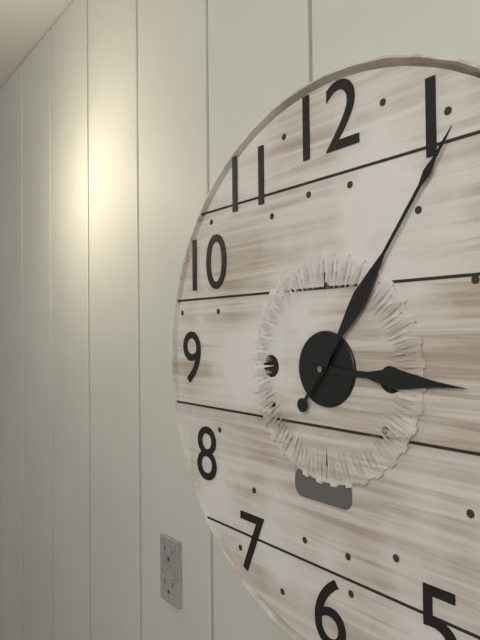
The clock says {"hour": 3, "minute": 6}
